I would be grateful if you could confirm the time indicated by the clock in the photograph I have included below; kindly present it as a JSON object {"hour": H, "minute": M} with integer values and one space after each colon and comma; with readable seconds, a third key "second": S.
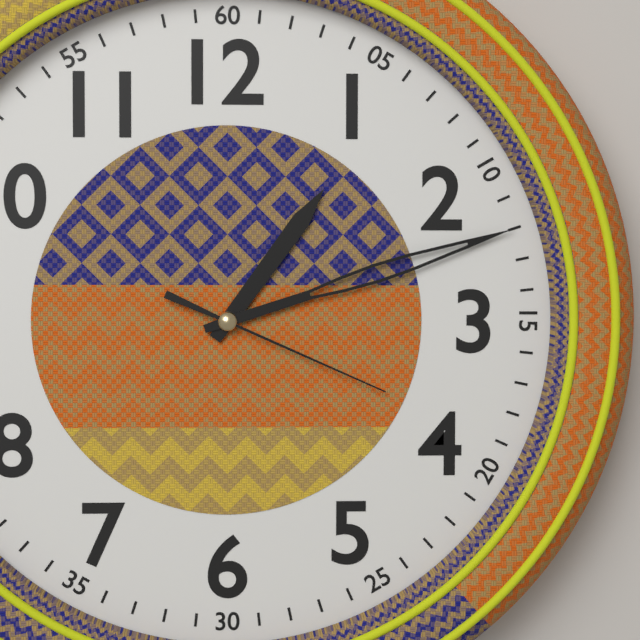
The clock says {"hour": 1, "minute": 12, "second": 19}
